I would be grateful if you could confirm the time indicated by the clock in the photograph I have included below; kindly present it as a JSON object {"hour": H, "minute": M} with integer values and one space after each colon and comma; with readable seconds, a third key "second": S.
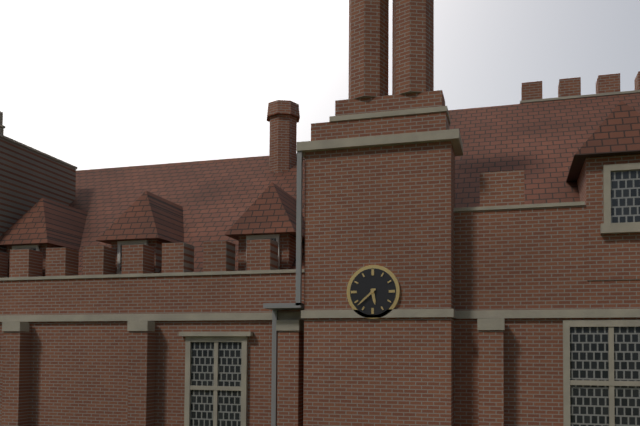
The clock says {"hour": 5, "minute": 38}
